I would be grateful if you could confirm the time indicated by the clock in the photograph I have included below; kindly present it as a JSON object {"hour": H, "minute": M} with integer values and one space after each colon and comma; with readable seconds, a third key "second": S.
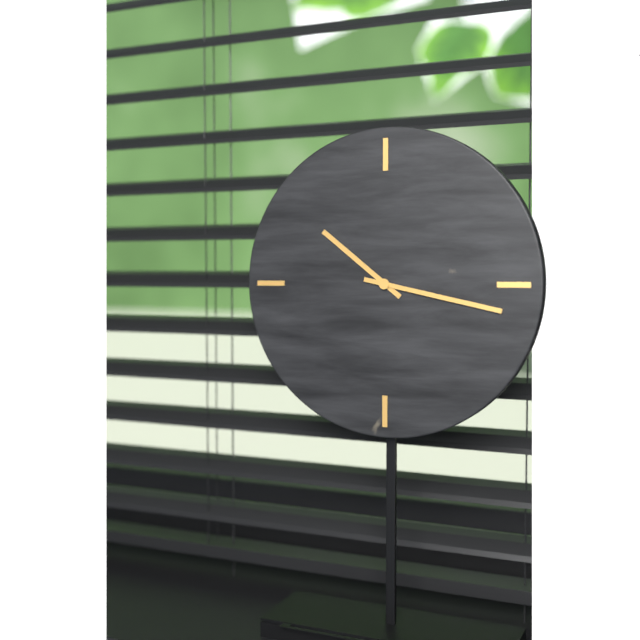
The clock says {"hour": 10, "minute": 17}
